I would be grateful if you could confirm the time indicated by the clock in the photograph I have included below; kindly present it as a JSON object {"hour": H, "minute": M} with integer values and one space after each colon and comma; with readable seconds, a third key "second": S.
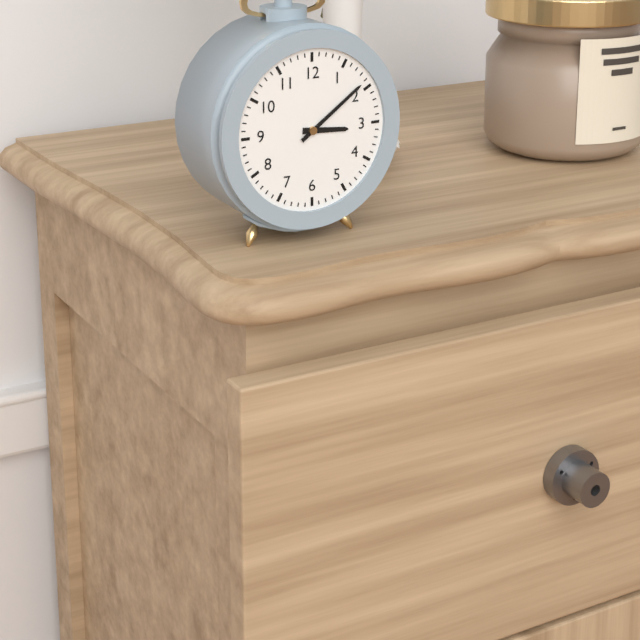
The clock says {"hour": 3, "minute": 9}
